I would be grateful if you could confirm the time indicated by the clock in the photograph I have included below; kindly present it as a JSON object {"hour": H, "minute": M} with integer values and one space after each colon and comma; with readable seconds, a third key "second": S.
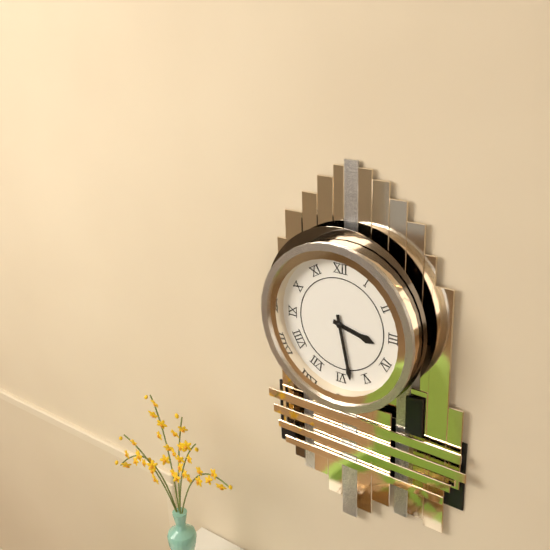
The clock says {"hour": 3, "minute": 28}
